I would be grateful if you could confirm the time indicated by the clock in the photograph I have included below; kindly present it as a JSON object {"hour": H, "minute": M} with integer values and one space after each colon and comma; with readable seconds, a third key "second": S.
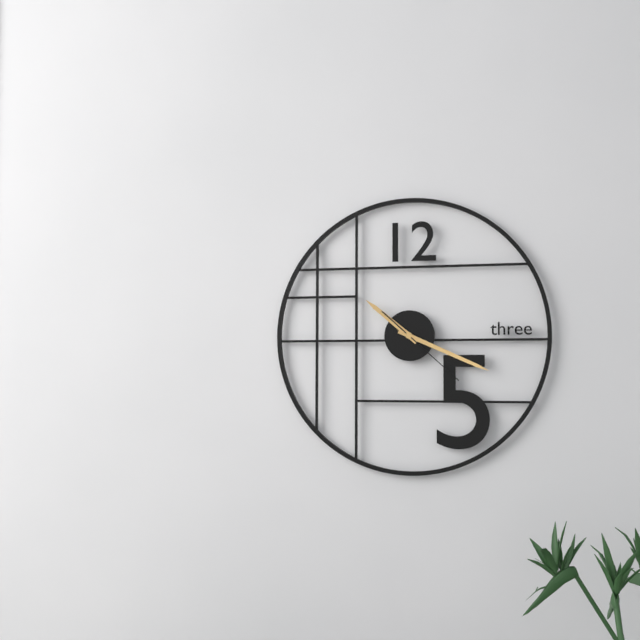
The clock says {"hour": 10, "minute": 19, "second": 22}
